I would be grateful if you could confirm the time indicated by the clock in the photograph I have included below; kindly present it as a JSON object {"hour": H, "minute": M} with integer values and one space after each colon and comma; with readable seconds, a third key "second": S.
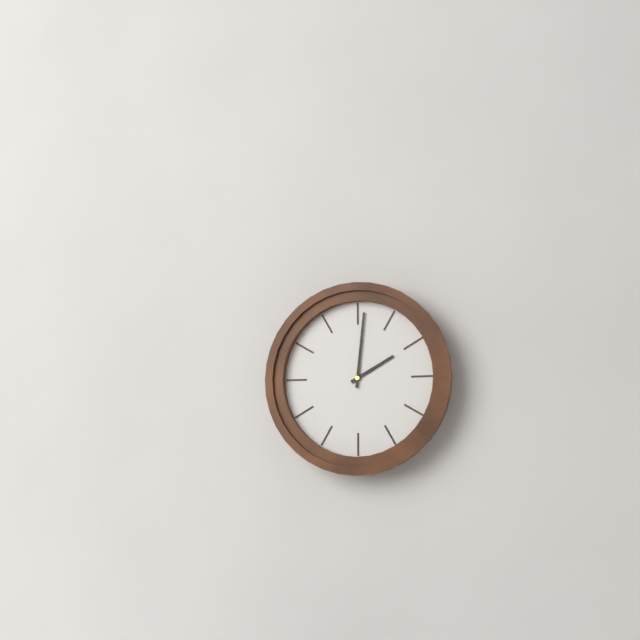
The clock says {"hour": 2, "minute": 1}
